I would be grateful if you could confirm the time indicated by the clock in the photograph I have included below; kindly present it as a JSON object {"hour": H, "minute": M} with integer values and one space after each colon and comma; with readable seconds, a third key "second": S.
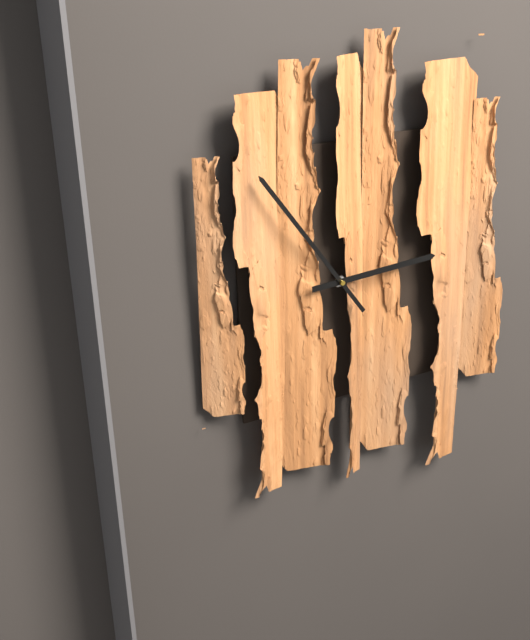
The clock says {"hour": 2, "minute": 54}
